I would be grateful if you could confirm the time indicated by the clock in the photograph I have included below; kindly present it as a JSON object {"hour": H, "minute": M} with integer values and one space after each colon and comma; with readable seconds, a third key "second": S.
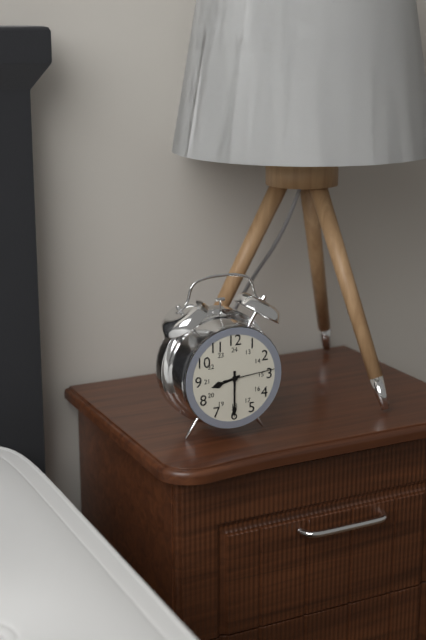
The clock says {"hour": 8, "minute": 30, "second": 14}
